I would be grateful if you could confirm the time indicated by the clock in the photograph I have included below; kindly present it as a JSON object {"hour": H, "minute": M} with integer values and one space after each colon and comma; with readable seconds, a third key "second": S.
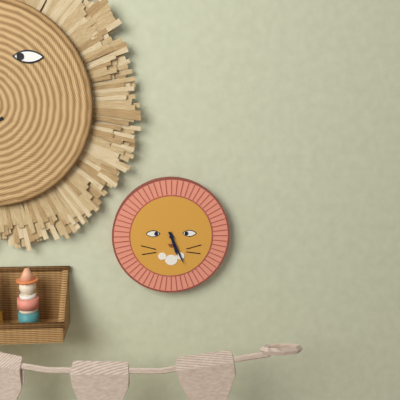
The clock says {"hour": 5, "minute": 26}
